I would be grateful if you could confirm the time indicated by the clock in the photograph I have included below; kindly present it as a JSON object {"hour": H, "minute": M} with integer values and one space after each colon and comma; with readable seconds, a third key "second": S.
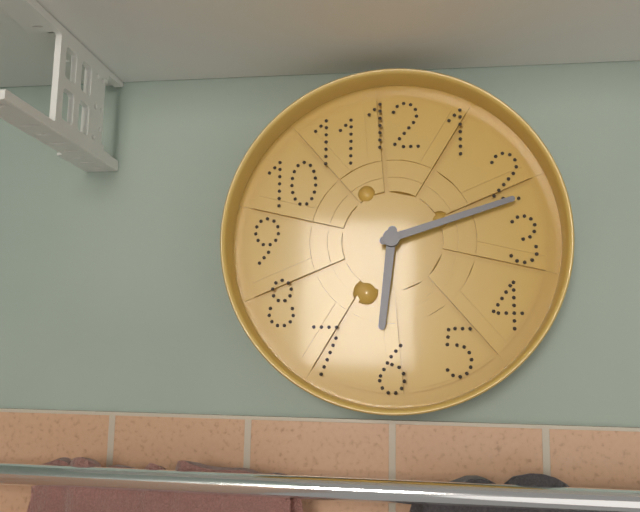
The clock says {"hour": 6, "minute": 12}
